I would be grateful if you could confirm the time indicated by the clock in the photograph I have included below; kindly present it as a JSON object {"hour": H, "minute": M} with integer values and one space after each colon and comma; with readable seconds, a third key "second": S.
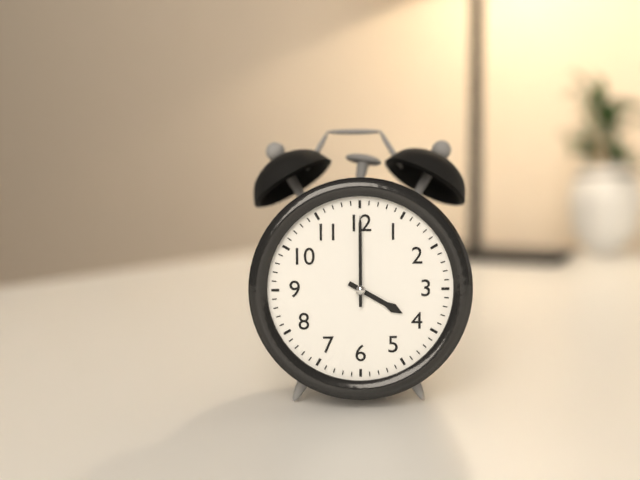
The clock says {"hour": 4, "minute": 0}
